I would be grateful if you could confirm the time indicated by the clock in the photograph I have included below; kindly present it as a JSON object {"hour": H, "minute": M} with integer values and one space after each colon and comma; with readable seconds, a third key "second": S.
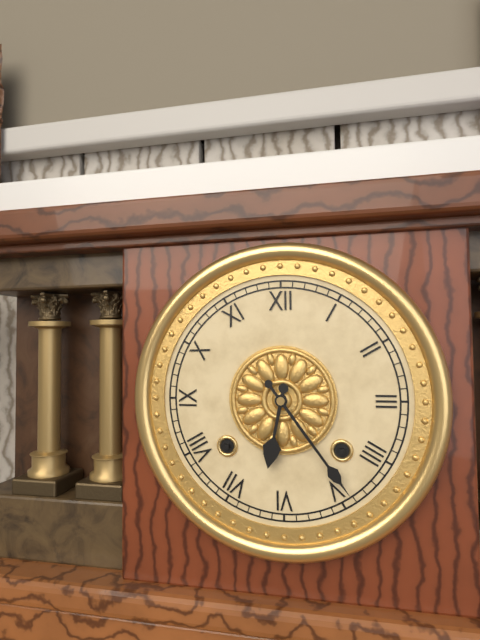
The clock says {"hour": 6, "minute": 24}
